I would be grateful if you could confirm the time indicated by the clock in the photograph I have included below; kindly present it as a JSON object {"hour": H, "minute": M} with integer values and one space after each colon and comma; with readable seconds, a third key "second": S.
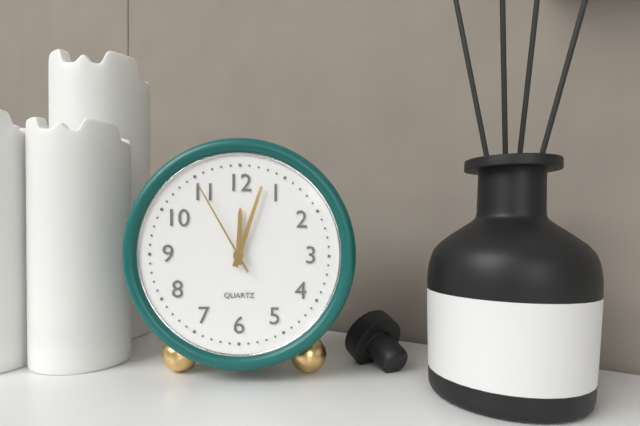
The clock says {"hour": 12, "minute": 3, "second": 55}
